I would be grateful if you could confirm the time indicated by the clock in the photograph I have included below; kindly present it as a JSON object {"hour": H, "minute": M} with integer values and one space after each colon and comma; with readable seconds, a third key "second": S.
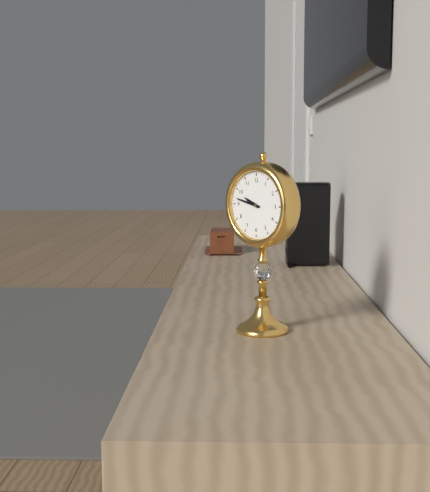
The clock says {"hour": 9, "minute": 47}
